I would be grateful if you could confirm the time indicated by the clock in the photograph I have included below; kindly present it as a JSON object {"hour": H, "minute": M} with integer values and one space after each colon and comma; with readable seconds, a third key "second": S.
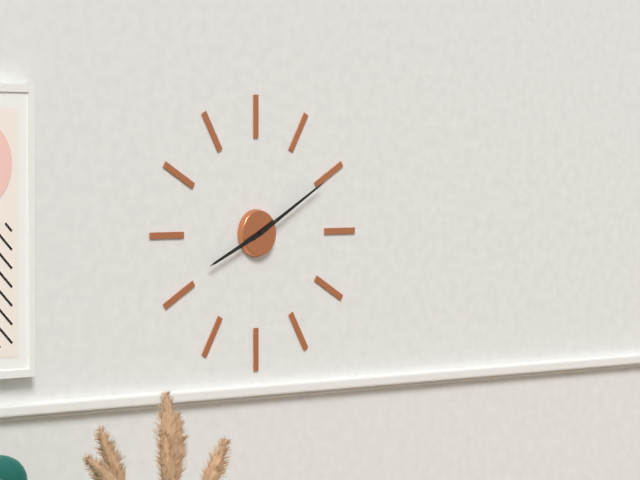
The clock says {"hour": 8, "minute": 10}
